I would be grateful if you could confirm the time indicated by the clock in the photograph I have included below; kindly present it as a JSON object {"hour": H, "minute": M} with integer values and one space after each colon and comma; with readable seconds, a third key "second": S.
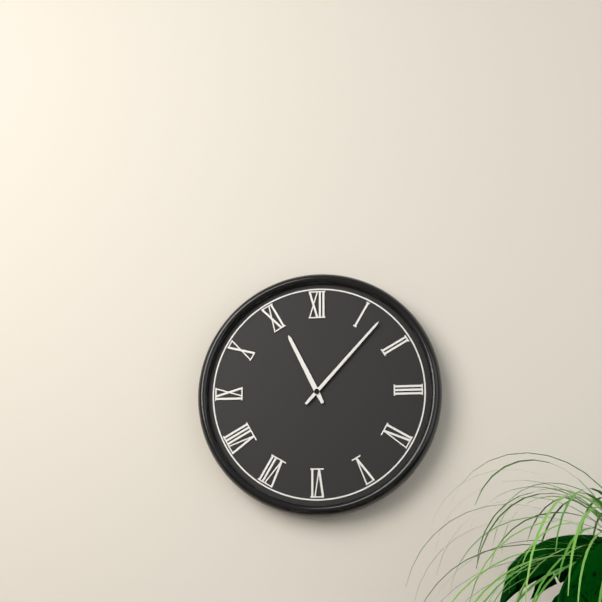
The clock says {"hour": 11, "minute": 7}
